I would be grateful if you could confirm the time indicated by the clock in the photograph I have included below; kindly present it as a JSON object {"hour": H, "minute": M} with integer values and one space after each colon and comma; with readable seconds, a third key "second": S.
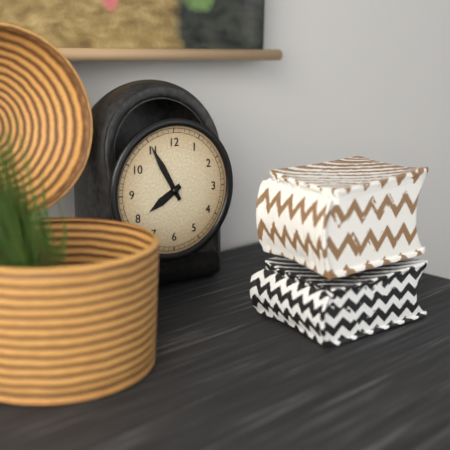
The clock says {"hour": 7, "minute": 55}
